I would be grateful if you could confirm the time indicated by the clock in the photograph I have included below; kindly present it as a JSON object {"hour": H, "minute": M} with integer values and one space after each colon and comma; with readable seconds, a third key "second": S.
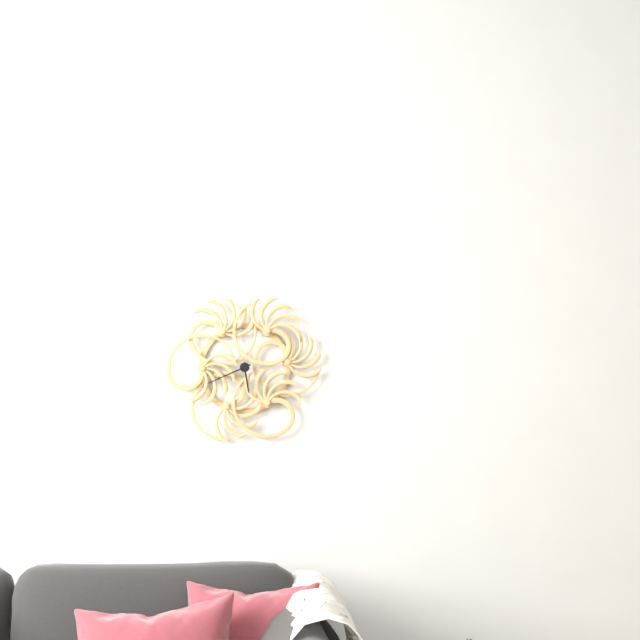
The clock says {"hour": 5, "minute": 41}
